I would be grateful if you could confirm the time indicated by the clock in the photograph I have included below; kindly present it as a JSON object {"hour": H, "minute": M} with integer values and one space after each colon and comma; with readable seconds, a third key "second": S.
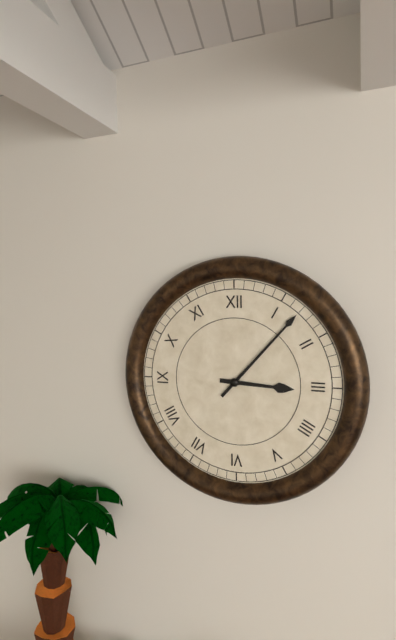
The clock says {"hour": 3, "minute": 7}
